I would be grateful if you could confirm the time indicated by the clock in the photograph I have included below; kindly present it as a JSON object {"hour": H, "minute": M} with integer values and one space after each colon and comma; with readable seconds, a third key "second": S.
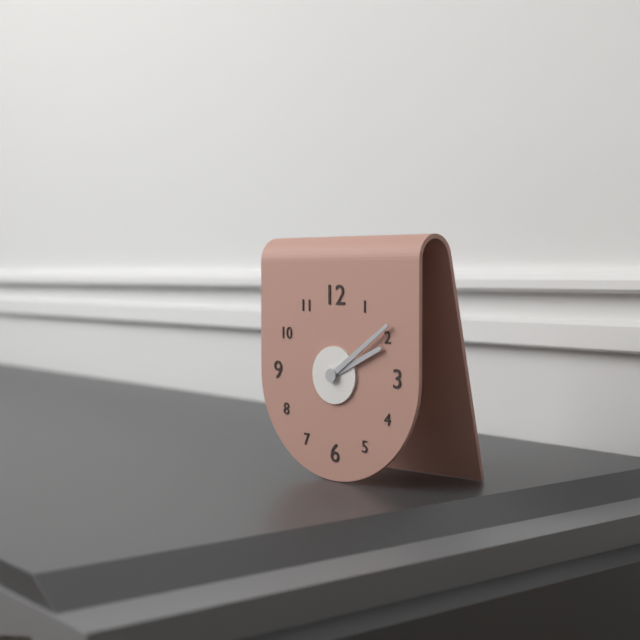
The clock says {"hour": 2, "minute": 9}
